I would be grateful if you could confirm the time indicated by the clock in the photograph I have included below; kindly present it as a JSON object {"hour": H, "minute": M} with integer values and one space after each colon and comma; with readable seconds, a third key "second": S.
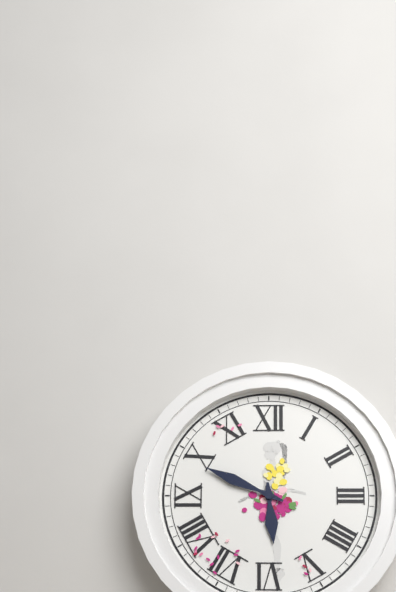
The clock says {"hour": 5, "minute": 49}
